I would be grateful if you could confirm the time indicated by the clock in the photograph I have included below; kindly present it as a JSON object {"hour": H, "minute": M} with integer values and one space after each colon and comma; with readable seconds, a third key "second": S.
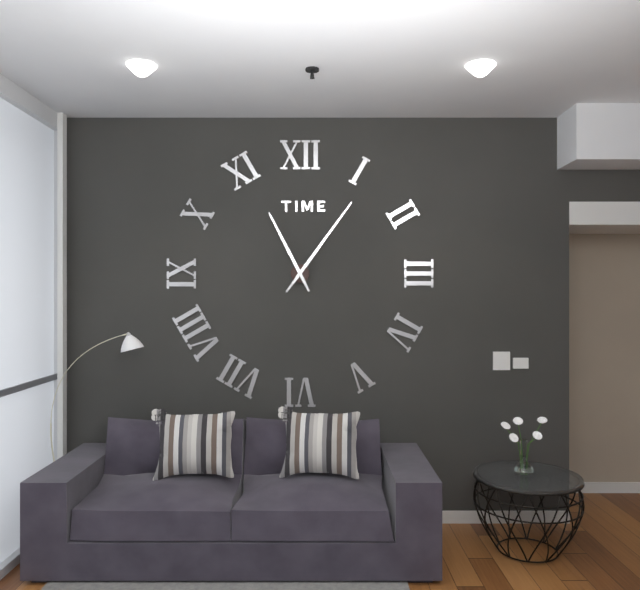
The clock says {"hour": 11, "minute": 6}
